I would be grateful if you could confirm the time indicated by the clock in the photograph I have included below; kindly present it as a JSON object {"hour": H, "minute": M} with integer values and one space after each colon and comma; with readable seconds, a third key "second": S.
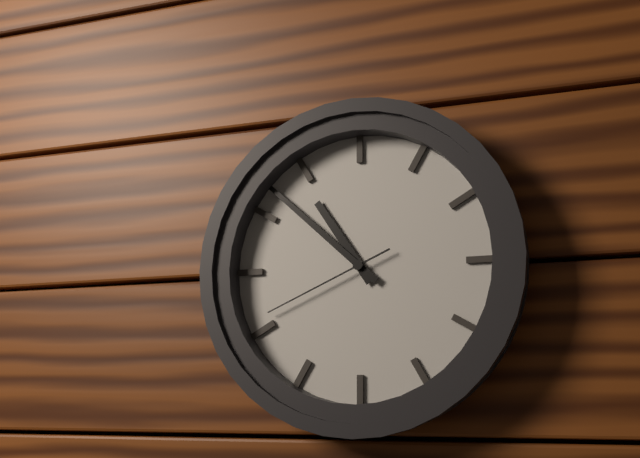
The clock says {"hour": 10, "minute": 52, "second": 41}
